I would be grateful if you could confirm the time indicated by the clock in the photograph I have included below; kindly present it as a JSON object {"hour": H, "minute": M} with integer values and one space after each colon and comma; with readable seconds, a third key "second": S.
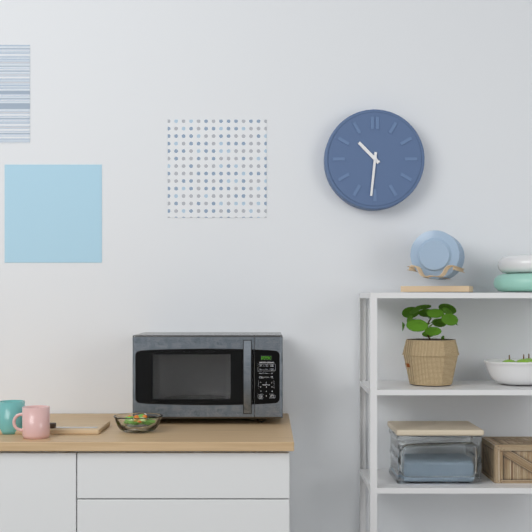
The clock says {"hour": 10, "minute": 31}
